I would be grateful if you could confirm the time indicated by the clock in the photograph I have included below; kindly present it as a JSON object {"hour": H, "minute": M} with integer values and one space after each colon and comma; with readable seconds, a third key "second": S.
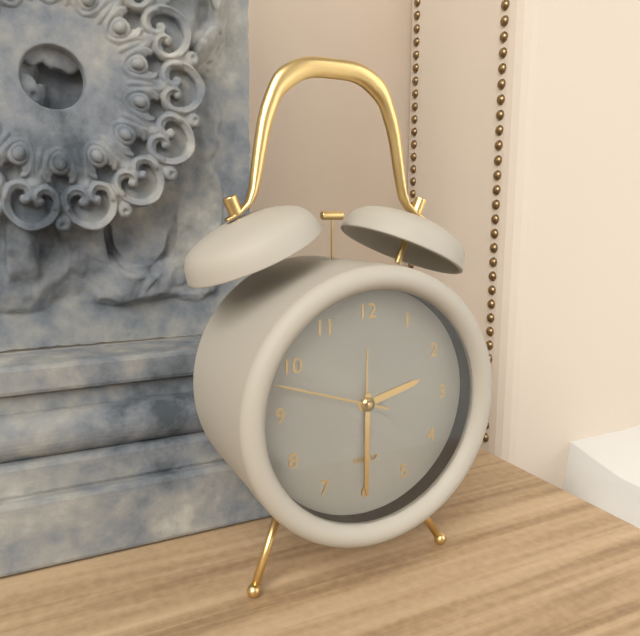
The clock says {"hour": 2, "minute": 30, "second": 48}
